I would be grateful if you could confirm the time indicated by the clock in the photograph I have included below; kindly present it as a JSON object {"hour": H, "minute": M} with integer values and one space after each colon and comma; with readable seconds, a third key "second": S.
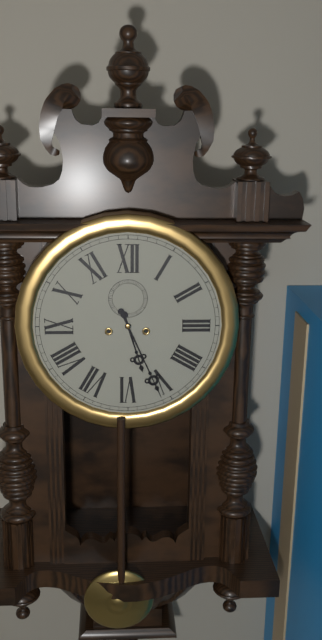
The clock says {"hour": 5, "minute": 26}
